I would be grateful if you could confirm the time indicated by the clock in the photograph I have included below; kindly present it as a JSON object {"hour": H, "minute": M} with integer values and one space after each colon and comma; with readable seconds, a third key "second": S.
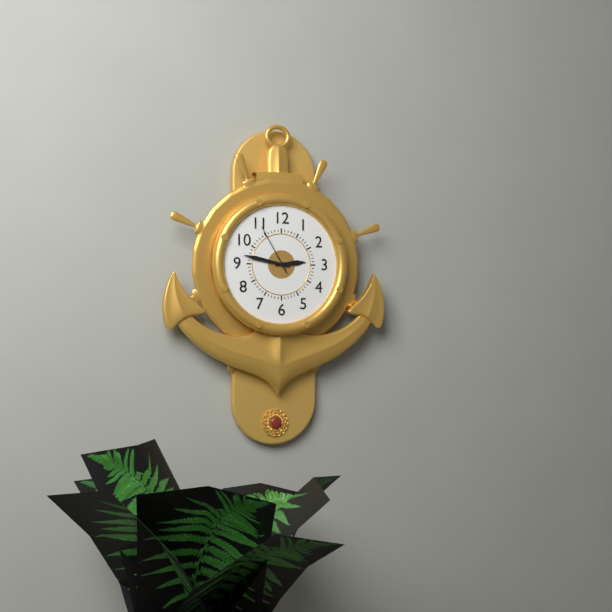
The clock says {"hour": 2, "minute": 47, "second": 55}
